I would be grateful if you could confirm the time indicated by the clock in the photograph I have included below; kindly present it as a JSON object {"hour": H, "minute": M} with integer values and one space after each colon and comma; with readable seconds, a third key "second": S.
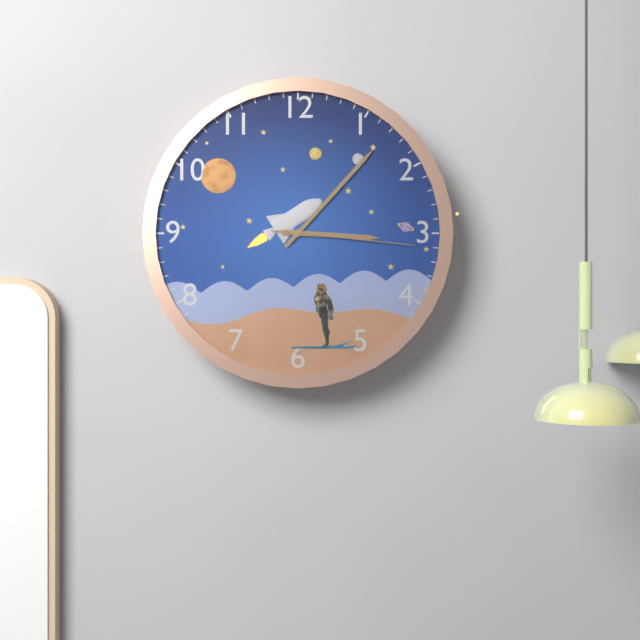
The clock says {"hour": 3, "minute": 7, "second": 16}
